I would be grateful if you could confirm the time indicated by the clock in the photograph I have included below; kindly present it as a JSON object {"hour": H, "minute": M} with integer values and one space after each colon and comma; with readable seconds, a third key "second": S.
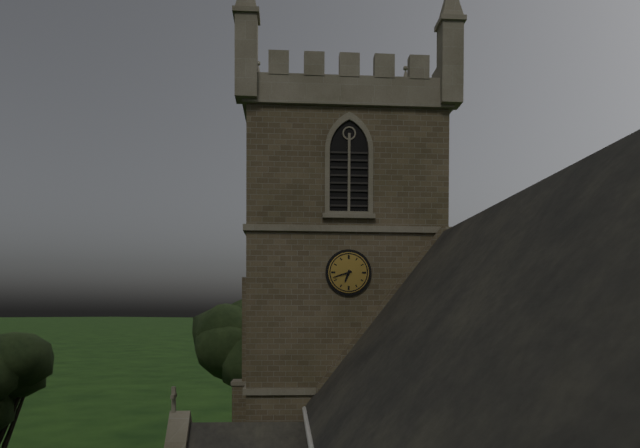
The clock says {"hour": 6, "minute": 42}
